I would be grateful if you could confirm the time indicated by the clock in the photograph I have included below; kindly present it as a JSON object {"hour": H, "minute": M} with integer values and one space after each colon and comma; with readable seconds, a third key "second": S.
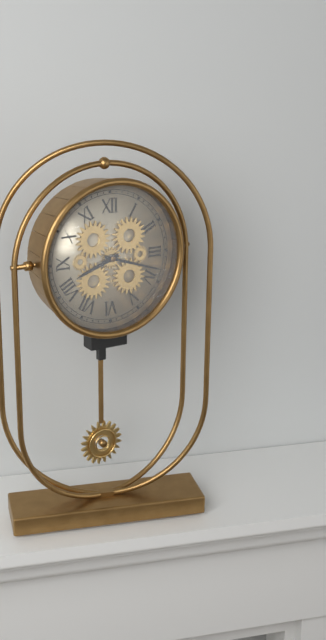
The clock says {"hour": 8, "minute": 18}
